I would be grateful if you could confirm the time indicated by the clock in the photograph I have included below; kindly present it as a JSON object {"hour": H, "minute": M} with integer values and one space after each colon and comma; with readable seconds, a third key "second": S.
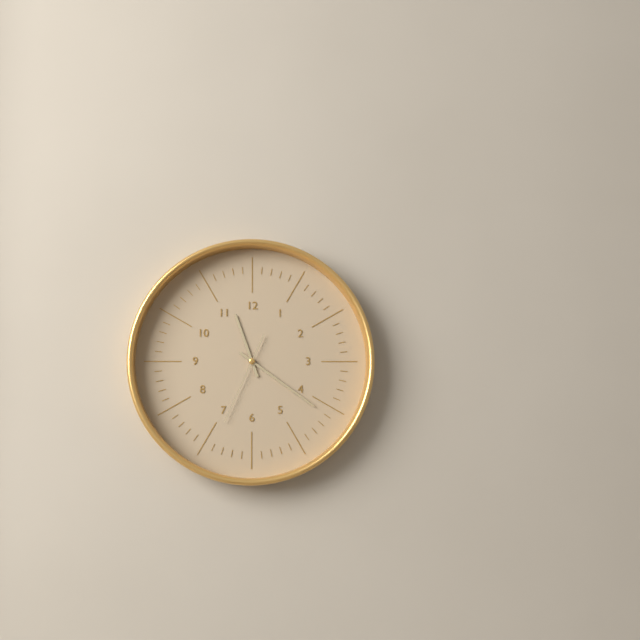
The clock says {"hour": 11, "minute": 21, "second": 34}
